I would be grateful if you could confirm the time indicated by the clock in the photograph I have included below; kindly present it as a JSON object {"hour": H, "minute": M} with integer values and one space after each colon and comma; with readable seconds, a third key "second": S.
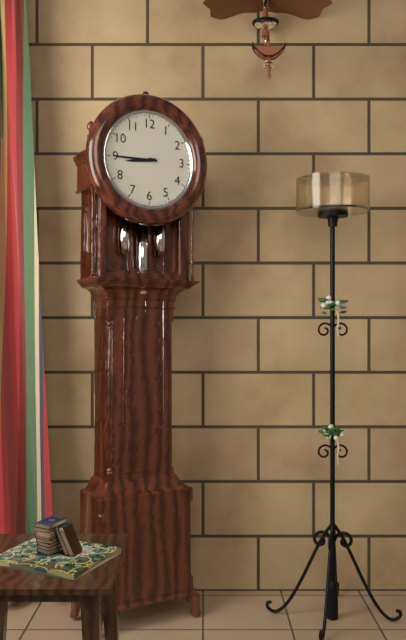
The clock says {"hour": 8, "minute": 45}
